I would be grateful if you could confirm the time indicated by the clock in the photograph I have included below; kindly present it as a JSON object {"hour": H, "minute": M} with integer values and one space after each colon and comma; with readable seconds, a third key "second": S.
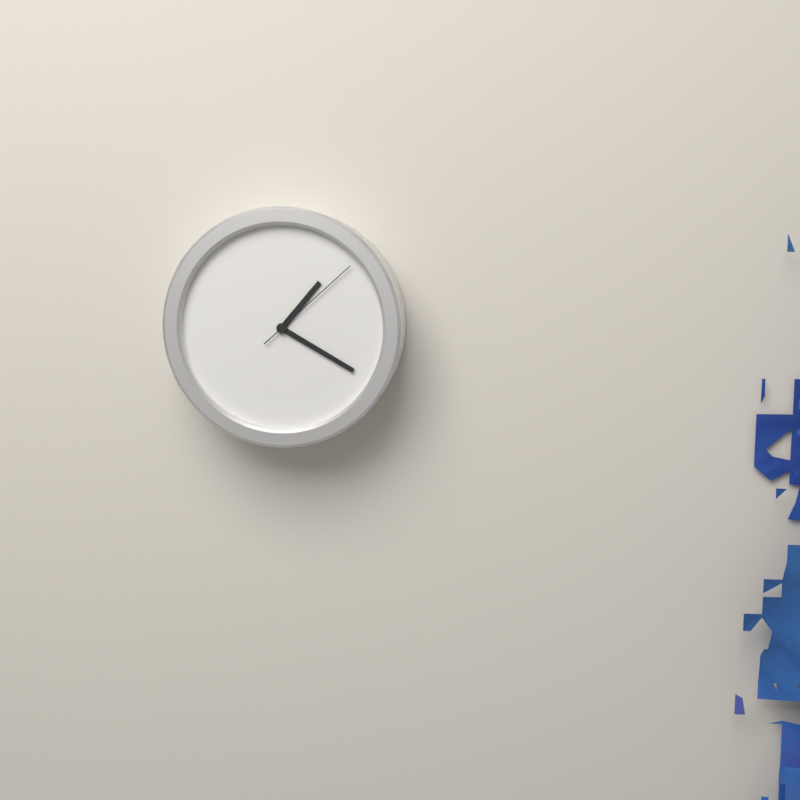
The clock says {"hour": 1, "minute": 20, "second": 8}
